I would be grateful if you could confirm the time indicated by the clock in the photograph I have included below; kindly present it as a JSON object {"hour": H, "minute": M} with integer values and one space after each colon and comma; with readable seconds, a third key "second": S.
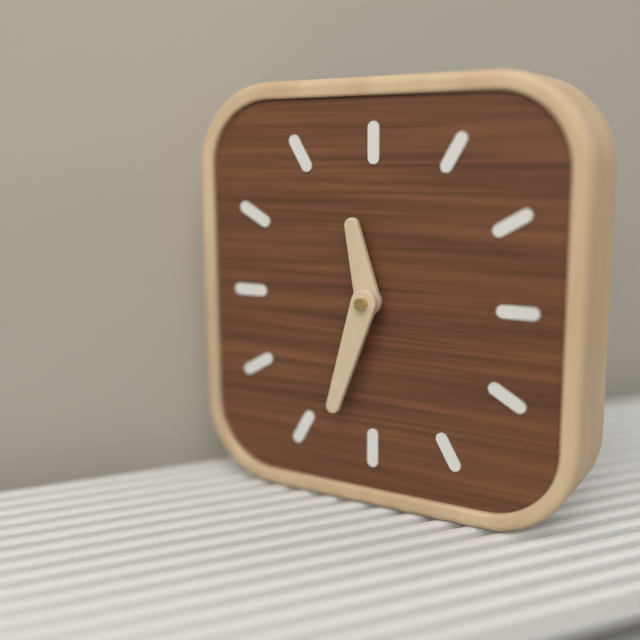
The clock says {"hour": 11, "minute": 33}
